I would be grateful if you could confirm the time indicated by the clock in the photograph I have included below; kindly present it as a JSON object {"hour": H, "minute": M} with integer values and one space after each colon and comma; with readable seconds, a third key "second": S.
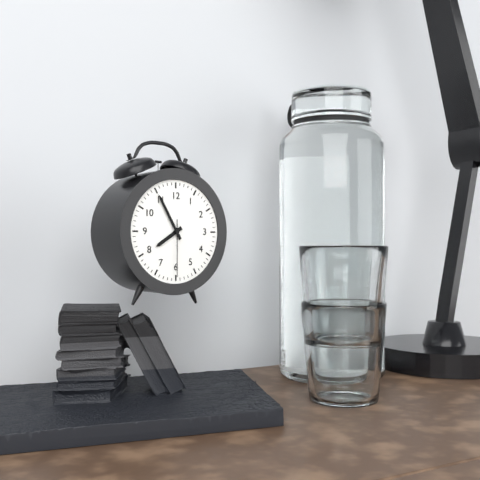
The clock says {"hour": 7, "minute": 55, "second": 30}
